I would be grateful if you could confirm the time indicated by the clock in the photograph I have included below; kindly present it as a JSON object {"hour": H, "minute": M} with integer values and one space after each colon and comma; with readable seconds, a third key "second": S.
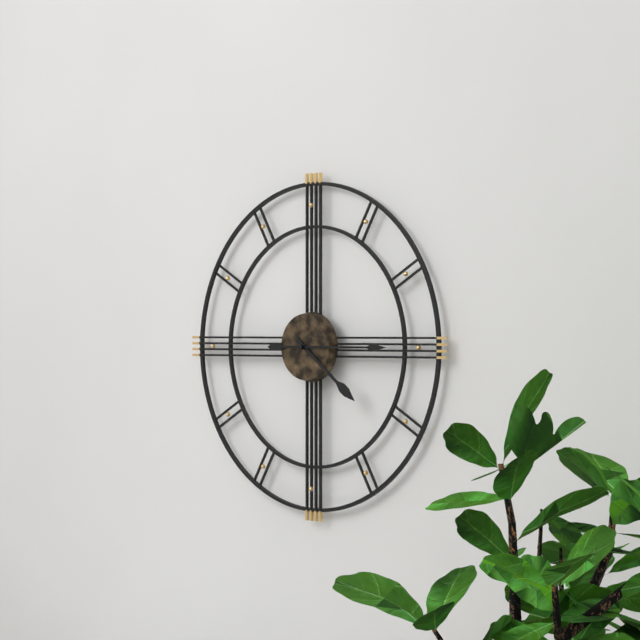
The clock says {"hour": 4, "minute": 15}
